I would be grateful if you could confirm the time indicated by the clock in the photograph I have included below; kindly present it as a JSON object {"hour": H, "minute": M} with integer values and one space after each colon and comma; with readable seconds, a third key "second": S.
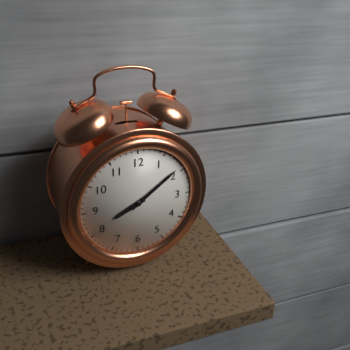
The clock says {"hour": 8, "minute": 9}
